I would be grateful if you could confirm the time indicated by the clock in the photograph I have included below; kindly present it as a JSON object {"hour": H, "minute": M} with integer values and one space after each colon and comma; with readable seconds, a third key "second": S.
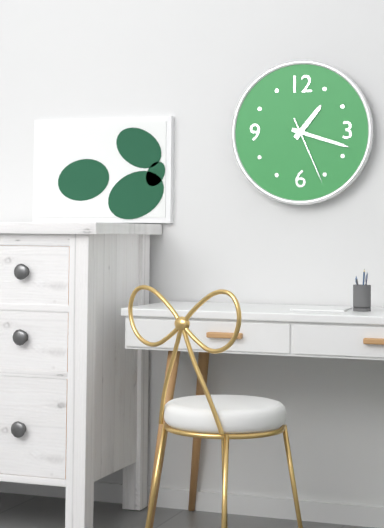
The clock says {"hour": 1, "minute": 18, "second": 26}
